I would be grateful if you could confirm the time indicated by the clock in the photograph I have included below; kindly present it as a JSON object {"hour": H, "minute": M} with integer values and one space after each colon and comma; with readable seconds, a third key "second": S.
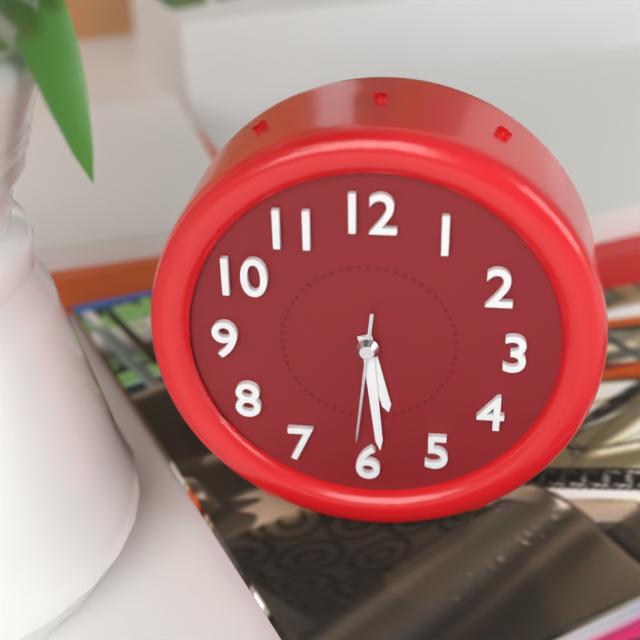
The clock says {"hour": 5, "minute": 29, "second": 31}
